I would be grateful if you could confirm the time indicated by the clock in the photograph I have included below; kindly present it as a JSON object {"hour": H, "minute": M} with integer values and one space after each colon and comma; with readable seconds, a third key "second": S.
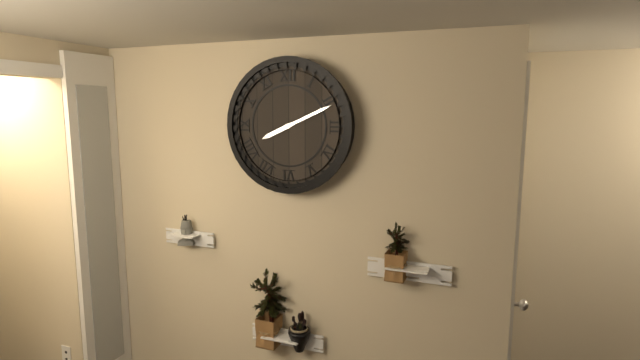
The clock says {"hour": 8, "minute": 11}
